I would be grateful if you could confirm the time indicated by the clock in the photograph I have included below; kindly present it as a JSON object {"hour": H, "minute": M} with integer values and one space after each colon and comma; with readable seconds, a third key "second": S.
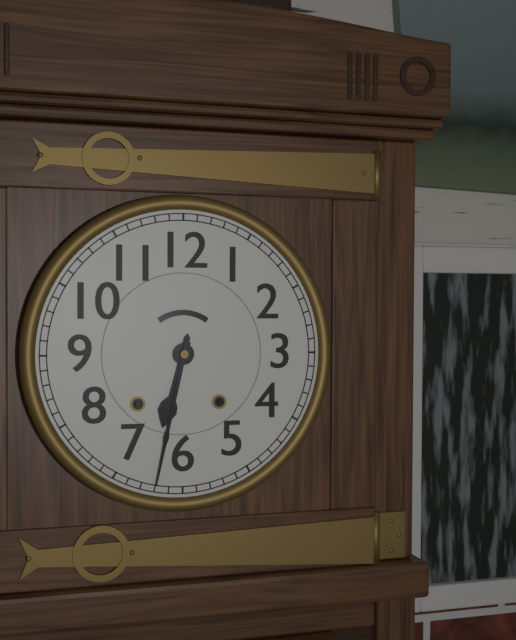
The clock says {"hour": 6, "minute": 32}
